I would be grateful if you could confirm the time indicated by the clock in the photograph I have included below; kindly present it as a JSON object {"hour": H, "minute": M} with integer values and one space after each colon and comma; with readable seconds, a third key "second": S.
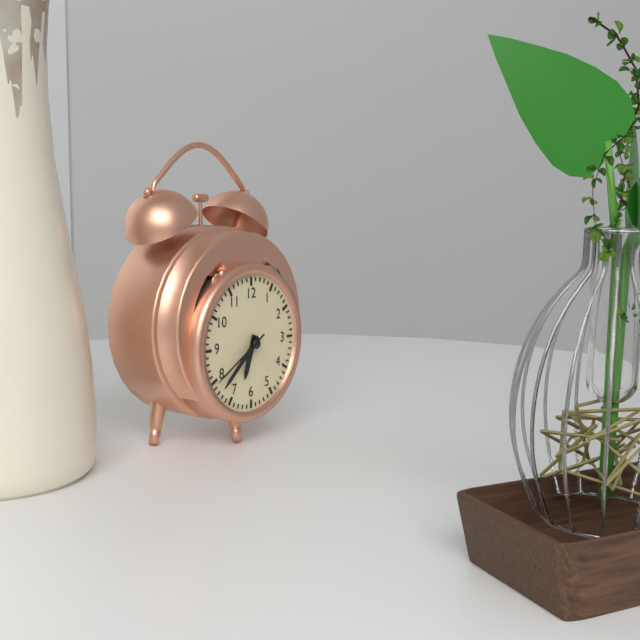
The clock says {"hour": 6, "minute": 38, "second": 40}
